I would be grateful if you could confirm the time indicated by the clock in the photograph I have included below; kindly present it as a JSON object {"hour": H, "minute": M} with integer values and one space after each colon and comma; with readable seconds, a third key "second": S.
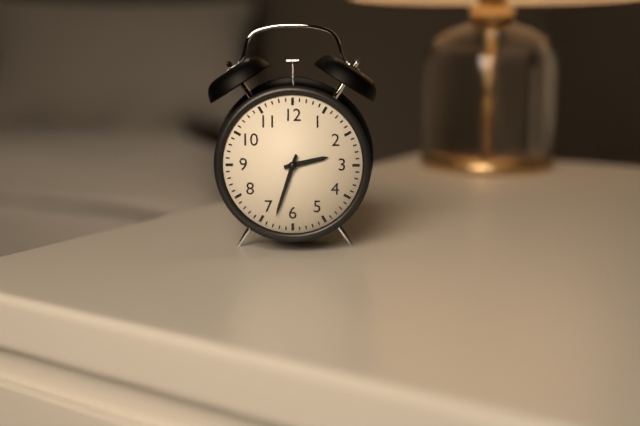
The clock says {"hour": 2, "minute": 33}
